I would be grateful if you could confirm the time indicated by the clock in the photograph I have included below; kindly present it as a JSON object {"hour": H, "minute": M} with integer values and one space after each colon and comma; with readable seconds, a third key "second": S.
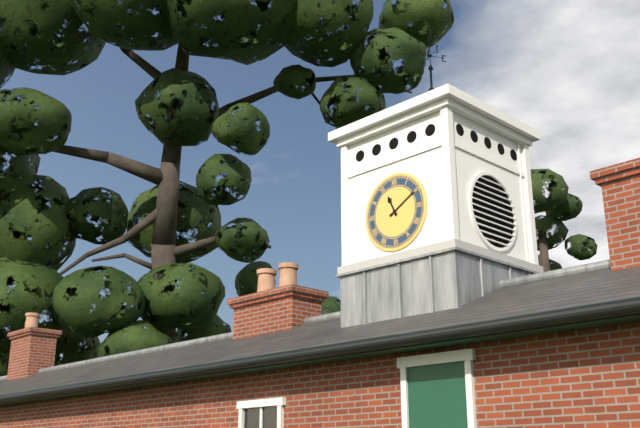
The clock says {"hour": 11, "minute": 10}
